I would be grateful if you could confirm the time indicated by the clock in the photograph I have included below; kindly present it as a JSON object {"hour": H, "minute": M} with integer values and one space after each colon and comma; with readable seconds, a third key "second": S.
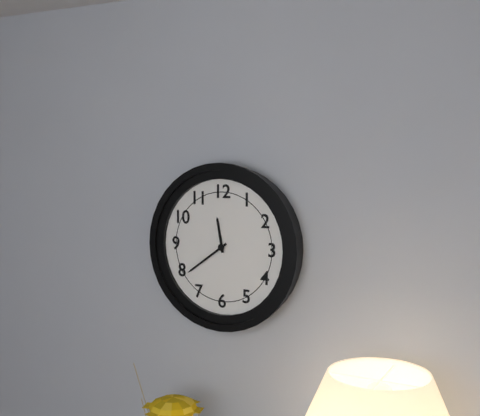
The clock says {"hour": 11, "minute": 39}
